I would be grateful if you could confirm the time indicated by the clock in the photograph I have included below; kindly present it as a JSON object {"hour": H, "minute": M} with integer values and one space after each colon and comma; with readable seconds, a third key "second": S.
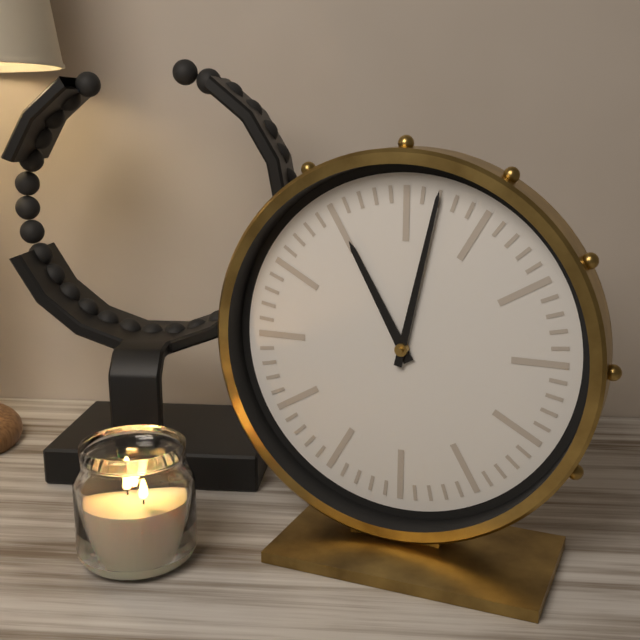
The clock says {"hour": 11, "minute": 2}
